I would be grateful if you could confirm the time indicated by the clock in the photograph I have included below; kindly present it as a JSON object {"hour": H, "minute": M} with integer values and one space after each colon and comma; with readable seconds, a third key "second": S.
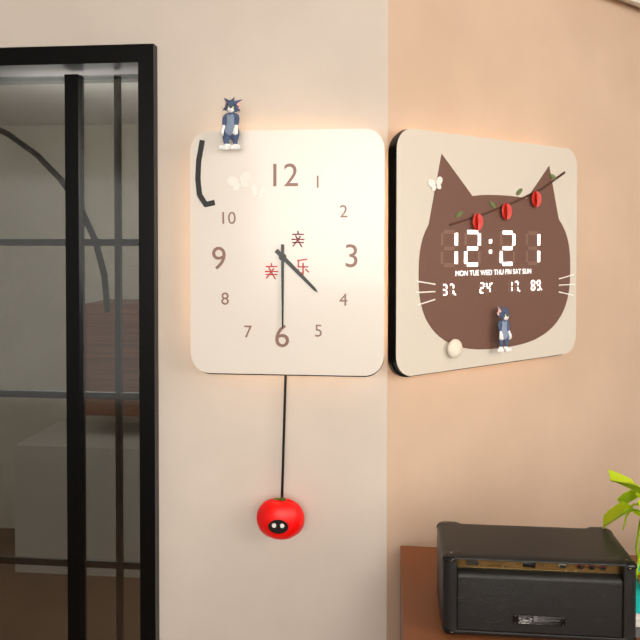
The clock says {"hour": 4, "minute": 30}
